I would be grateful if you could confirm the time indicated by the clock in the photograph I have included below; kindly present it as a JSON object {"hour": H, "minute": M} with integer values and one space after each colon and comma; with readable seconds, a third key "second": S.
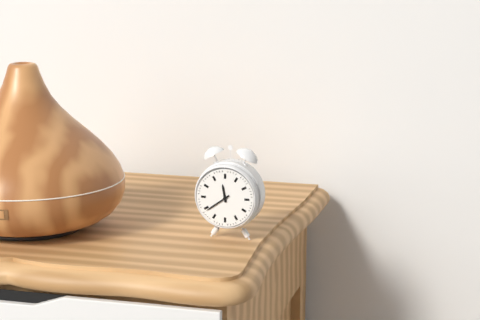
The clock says {"hour": 11, "minute": 39}
